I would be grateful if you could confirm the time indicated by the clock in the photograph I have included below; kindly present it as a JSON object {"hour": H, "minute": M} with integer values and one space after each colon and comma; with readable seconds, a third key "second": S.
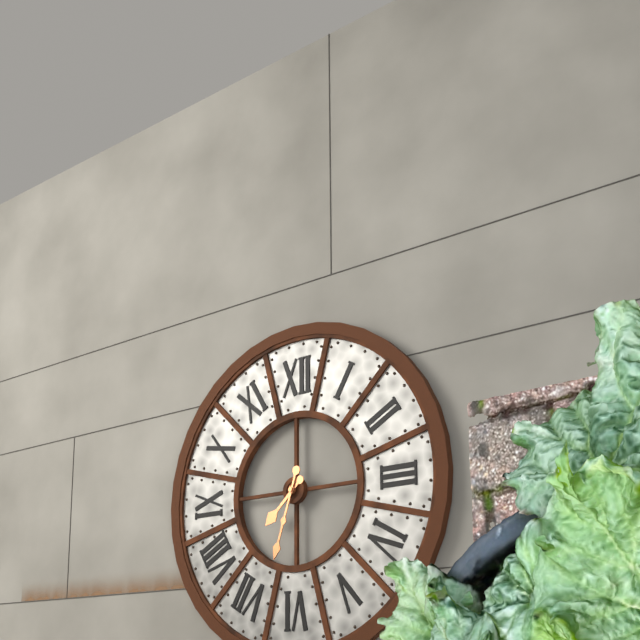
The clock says {"hour": 7, "minute": 33}
